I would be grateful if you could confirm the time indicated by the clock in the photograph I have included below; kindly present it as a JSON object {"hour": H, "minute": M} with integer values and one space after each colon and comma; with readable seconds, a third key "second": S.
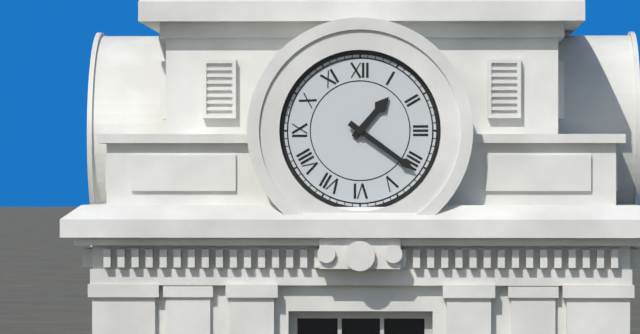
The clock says {"hour": 1, "minute": 21}
